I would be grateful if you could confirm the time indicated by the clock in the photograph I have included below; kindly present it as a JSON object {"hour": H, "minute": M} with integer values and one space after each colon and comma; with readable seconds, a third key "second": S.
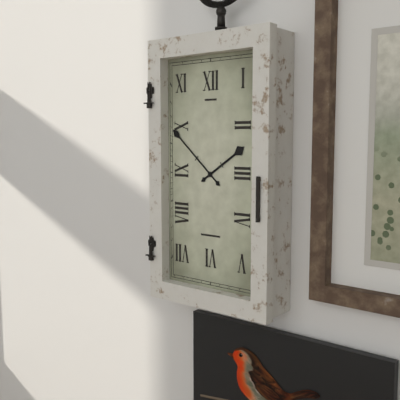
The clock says {"hour": 1, "minute": 52}
